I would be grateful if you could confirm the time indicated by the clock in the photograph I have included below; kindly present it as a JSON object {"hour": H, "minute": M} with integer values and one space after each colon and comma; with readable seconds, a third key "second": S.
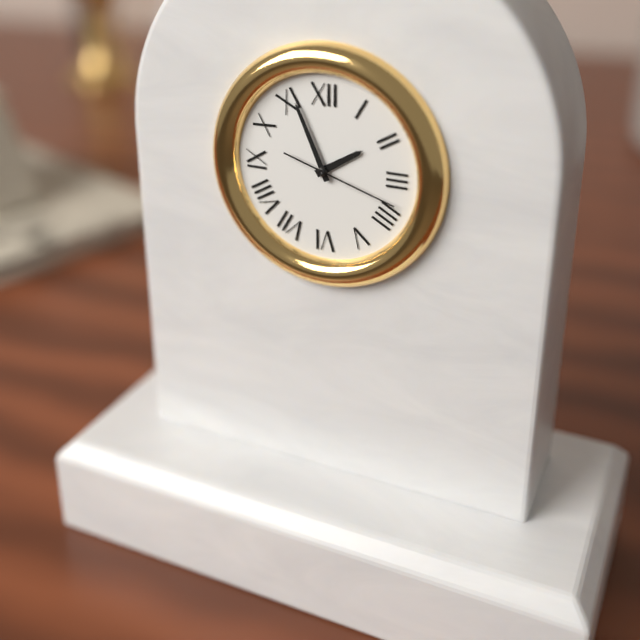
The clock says {"hour": 1, "minute": 56, "second": 18}
